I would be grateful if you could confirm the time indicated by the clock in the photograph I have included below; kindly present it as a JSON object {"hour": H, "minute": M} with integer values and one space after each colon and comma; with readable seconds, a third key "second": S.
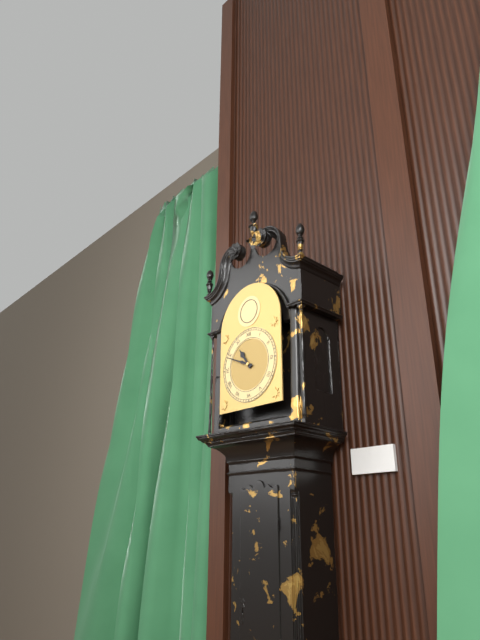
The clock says {"hour": 10, "minute": 49}
